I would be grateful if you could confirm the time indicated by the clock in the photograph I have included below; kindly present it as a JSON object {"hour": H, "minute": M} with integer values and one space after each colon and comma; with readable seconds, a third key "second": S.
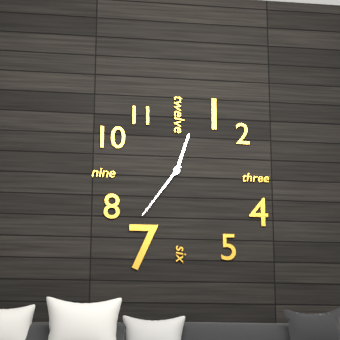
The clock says {"hour": 12, "minute": 36}
